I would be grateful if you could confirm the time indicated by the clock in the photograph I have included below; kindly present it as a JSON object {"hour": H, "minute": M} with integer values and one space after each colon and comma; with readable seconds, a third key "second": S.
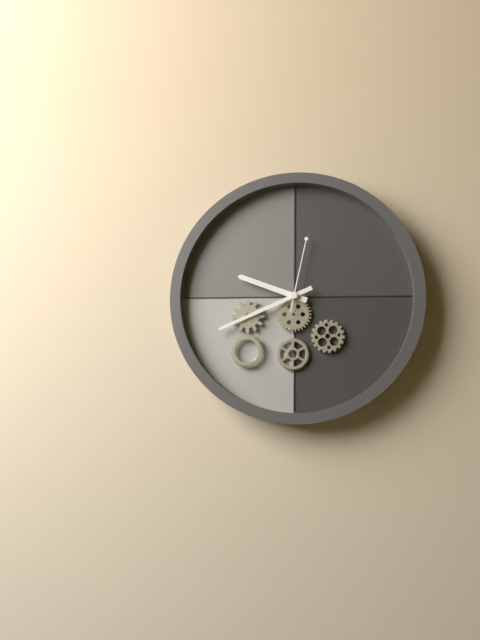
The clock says {"hour": 9, "minute": 41, "second": 2}
